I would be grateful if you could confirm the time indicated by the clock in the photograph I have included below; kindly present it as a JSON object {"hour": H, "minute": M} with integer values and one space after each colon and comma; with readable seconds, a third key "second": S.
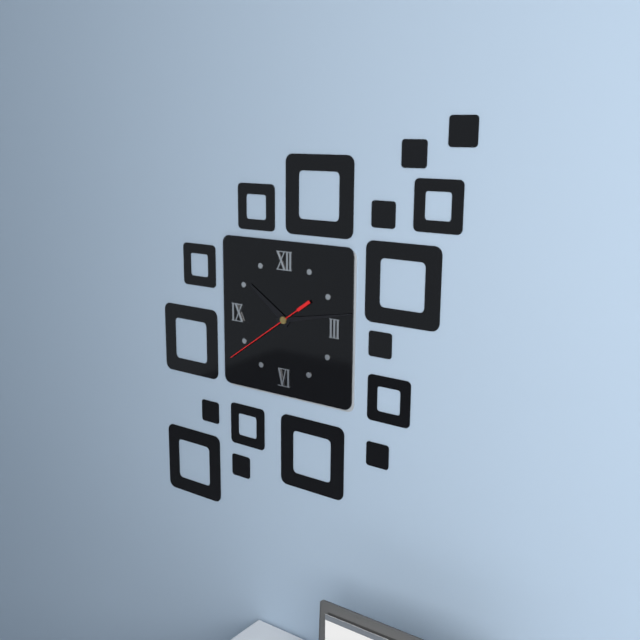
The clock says {"hour": 10, "minute": 13, "second": 39}
